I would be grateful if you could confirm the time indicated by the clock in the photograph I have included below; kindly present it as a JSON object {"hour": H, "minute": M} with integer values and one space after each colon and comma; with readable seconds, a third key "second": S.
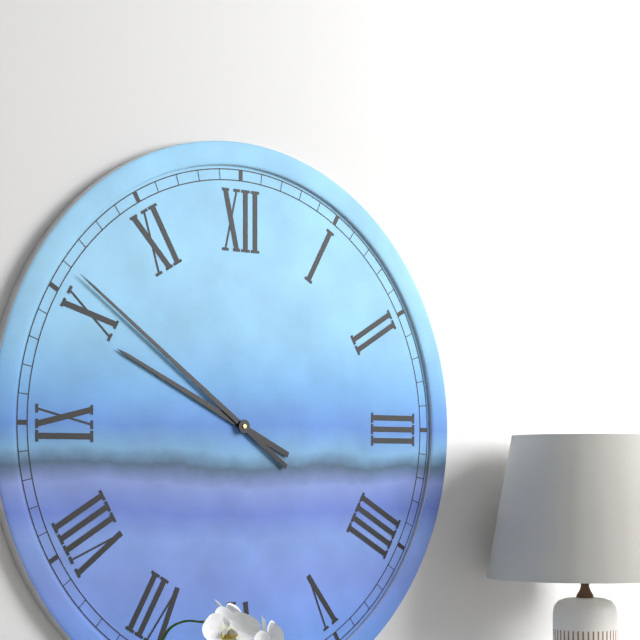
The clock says {"hour": 9, "minute": 51}
